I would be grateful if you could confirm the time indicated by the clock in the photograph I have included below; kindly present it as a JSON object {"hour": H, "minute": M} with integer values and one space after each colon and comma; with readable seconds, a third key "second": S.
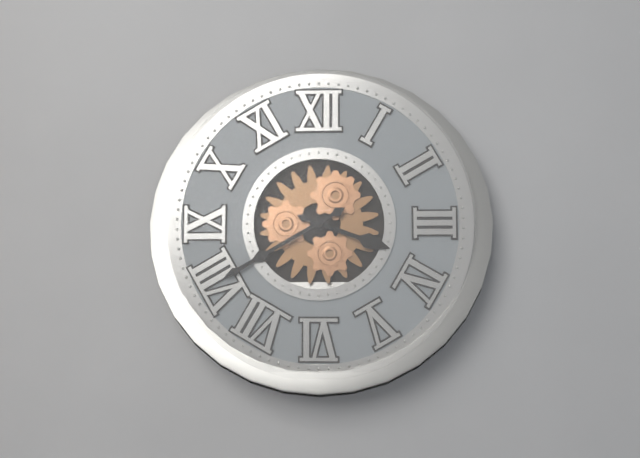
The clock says {"hour": 3, "minute": 40}
